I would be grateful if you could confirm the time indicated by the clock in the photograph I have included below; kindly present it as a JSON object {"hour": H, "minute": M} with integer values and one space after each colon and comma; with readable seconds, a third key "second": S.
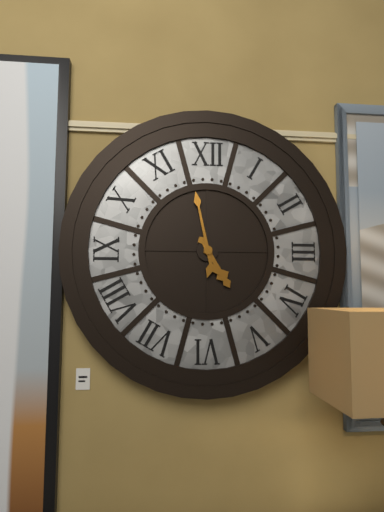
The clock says {"hour": 4, "minute": 58}
